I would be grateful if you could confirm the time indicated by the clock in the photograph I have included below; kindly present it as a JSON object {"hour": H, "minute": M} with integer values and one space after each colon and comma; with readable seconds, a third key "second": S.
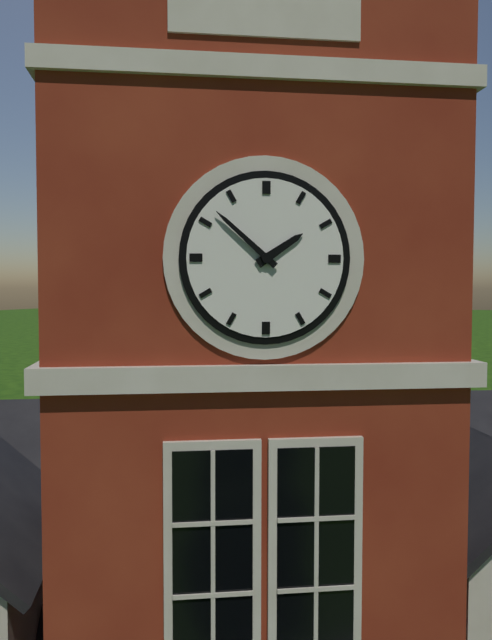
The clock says {"hour": 1, "minute": 52}
